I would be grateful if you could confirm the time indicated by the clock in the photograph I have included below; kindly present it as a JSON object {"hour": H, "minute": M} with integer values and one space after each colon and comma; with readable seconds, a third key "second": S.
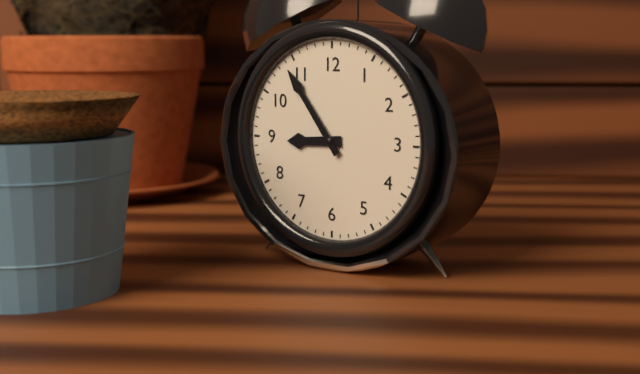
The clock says {"hour": 8, "minute": 54}
